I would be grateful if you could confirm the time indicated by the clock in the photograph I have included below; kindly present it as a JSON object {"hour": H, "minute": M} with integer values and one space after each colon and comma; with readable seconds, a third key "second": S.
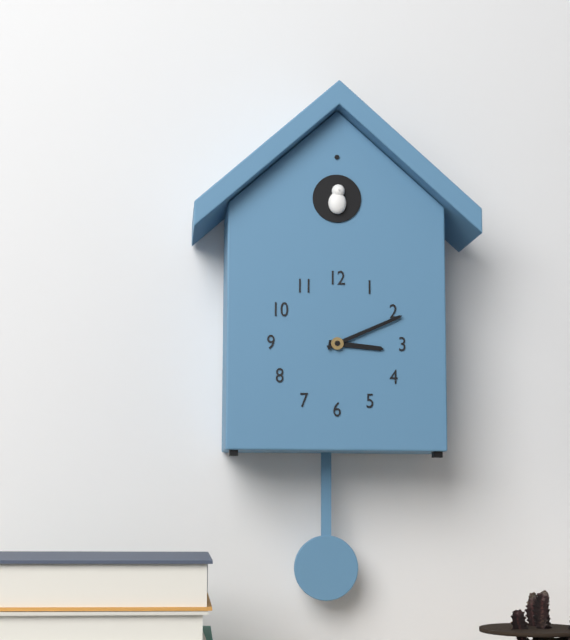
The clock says {"hour": 3, "minute": 11}
